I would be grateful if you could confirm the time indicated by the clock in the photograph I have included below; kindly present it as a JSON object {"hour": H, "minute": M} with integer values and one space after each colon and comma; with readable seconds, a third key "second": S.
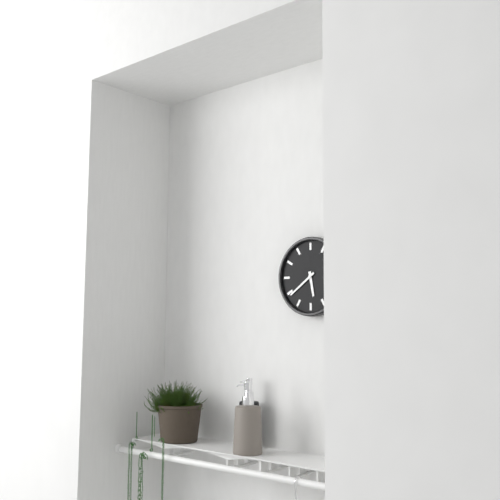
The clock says {"hour": 5, "minute": 39}
